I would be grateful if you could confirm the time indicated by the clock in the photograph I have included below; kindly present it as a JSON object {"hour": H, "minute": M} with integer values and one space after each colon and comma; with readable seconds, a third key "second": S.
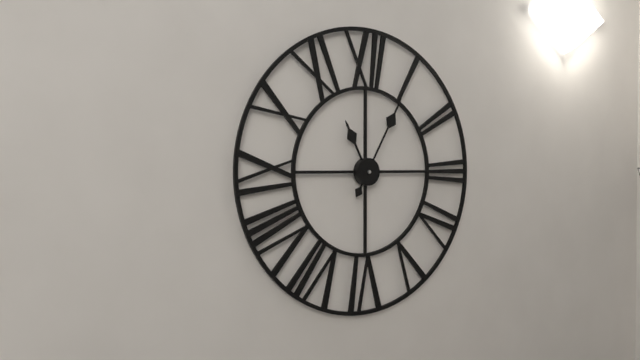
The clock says {"hour": 11, "minute": 5}
